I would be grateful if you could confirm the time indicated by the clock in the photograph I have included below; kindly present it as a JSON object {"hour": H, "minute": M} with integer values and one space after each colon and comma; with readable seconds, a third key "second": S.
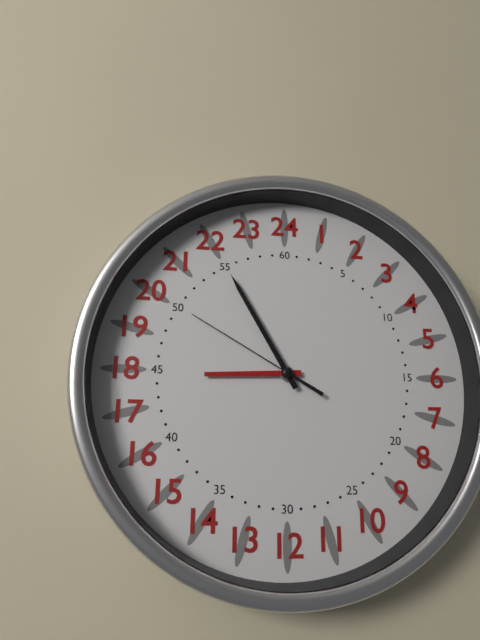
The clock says {"hour": 8, "minute": 55, "second": 50}
